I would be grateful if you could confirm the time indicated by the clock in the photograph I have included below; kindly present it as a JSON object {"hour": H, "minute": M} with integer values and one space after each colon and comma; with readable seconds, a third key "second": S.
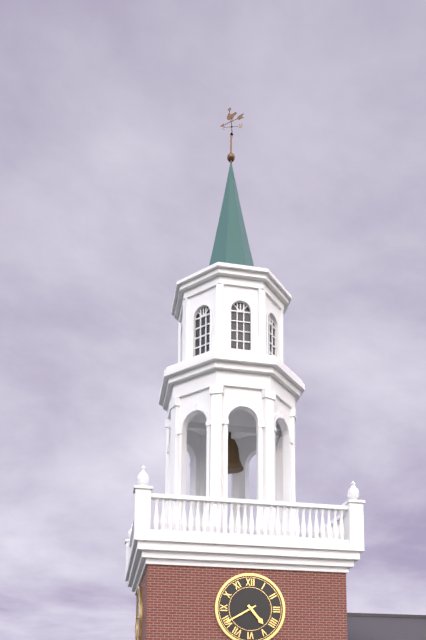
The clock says {"hour": 4, "minute": 40}
